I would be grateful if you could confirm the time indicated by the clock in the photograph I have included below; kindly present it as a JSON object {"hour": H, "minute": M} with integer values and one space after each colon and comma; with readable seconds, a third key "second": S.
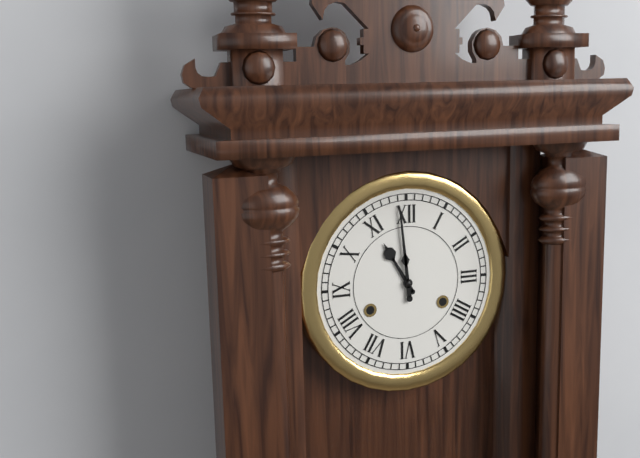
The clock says {"hour": 10, "minute": 59}
